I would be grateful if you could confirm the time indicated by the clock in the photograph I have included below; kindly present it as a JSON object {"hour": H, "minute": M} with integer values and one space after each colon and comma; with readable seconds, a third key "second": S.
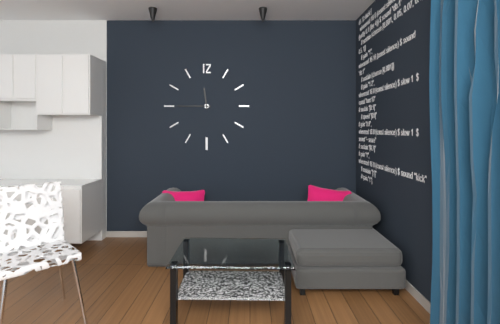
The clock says {"hour": 11, "minute": 45}
